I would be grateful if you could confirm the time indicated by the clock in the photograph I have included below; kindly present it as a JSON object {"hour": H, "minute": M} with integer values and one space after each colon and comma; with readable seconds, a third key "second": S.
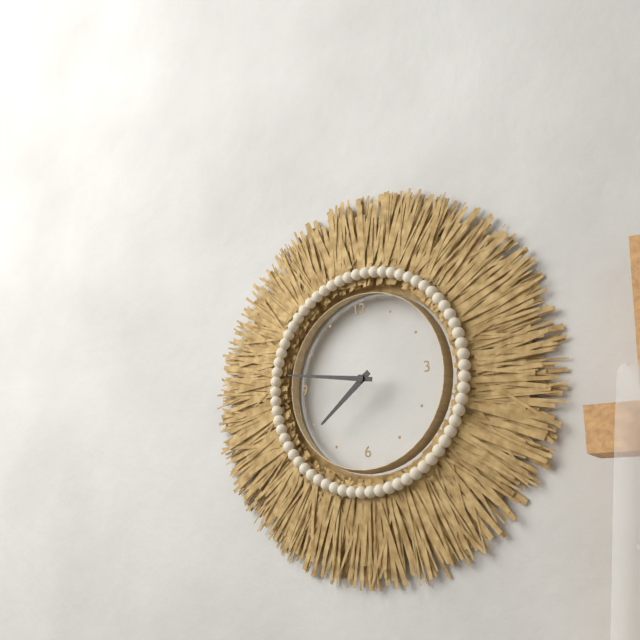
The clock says {"hour": 7, "minute": 47}
